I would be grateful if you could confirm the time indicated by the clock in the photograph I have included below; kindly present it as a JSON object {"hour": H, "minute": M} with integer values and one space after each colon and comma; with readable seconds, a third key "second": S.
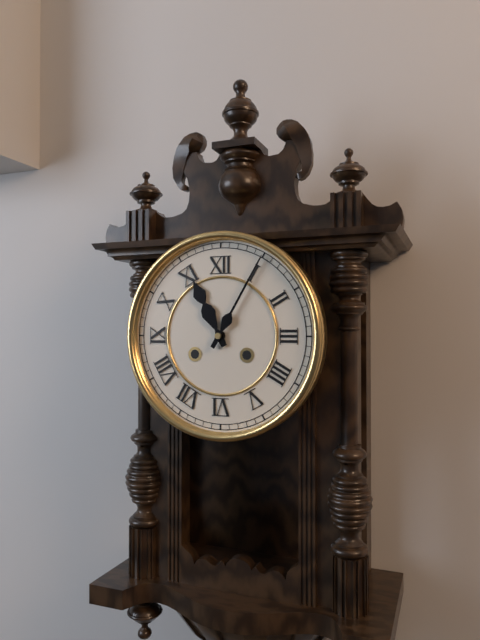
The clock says {"hour": 11, "minute": 5}
